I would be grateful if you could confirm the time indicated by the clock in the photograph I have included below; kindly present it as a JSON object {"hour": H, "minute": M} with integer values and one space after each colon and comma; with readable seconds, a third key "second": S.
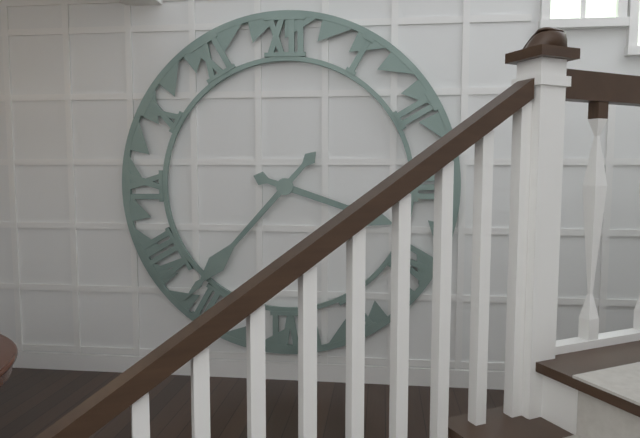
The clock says {"hour": 3, "minute": 37}
